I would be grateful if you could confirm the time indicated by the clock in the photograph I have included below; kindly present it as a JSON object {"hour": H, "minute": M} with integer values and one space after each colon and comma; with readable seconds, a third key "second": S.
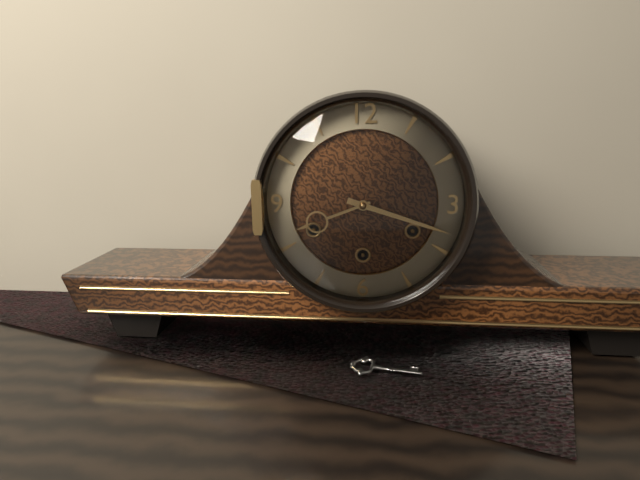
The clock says {"hour": 8, "minute": 18}
